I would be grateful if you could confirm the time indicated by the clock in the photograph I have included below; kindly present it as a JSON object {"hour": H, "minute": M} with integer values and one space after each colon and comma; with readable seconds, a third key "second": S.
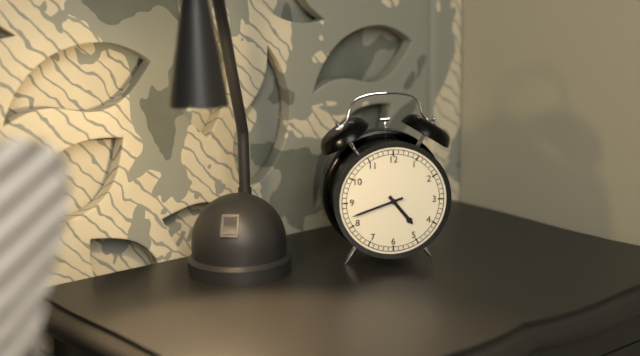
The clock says {"hour": 4, "minute": 42}
